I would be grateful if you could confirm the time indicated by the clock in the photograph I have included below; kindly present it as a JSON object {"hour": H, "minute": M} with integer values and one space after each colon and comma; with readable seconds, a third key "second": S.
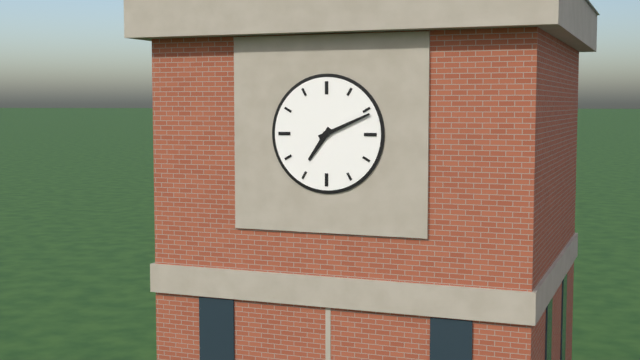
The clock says {"hour": 7, "minute": 11}
